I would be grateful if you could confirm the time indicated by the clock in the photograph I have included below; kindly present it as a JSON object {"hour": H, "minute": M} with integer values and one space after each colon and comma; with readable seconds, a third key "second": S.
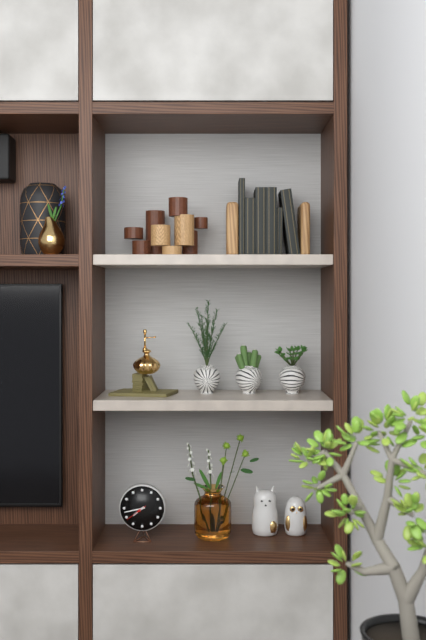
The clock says {"hour": 7, "minute": 43}
